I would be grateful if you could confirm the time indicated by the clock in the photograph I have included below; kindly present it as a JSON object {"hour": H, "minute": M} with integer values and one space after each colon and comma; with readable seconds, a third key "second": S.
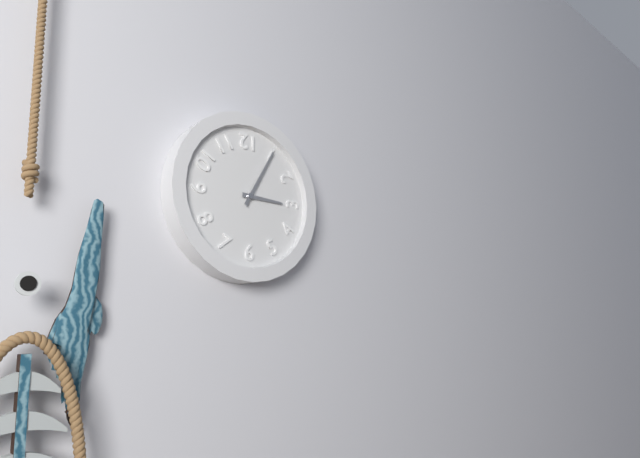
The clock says {"hour": 3, "minute": 5}
